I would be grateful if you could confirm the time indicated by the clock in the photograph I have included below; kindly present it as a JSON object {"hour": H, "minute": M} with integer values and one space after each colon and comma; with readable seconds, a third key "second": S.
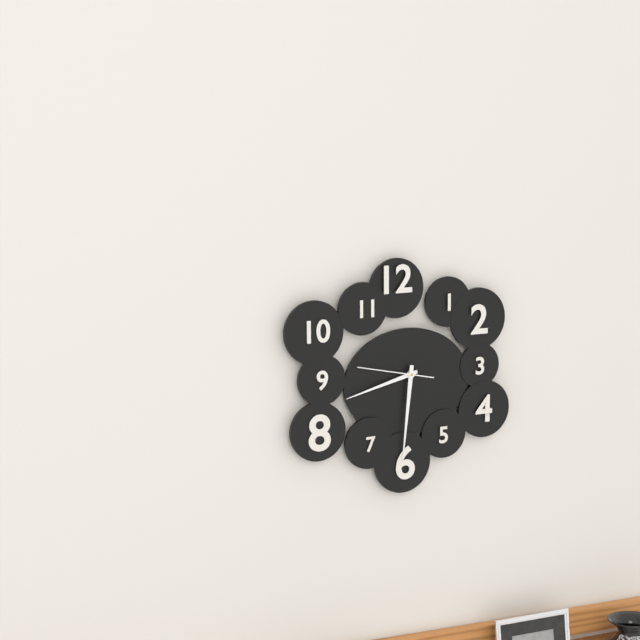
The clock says {"hour": 8, "minute": 31, "second": 47}
